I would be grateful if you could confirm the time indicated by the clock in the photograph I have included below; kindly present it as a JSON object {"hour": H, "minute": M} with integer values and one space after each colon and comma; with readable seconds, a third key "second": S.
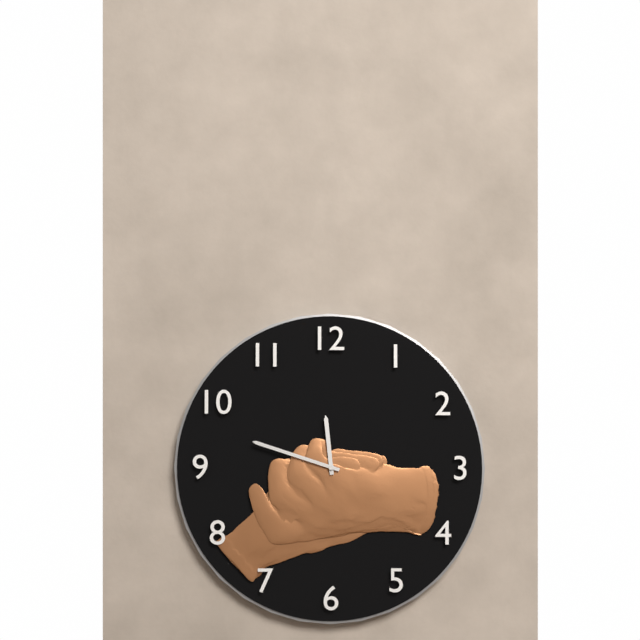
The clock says {"hour": 11, "minute": 48}
